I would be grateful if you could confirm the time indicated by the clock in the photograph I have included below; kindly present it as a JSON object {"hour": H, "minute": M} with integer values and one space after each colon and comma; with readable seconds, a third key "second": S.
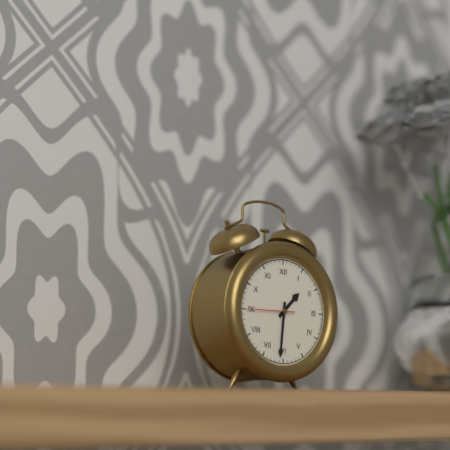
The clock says {"hour": 1, "minute": 31}
